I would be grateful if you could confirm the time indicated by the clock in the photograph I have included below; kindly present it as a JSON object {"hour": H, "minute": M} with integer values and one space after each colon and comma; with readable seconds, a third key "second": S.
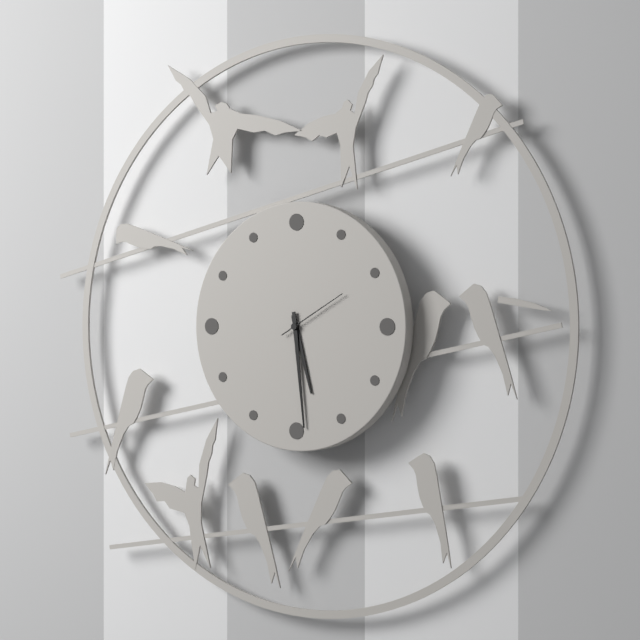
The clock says {"hour": 5, "minute": 29, "second": 10}
